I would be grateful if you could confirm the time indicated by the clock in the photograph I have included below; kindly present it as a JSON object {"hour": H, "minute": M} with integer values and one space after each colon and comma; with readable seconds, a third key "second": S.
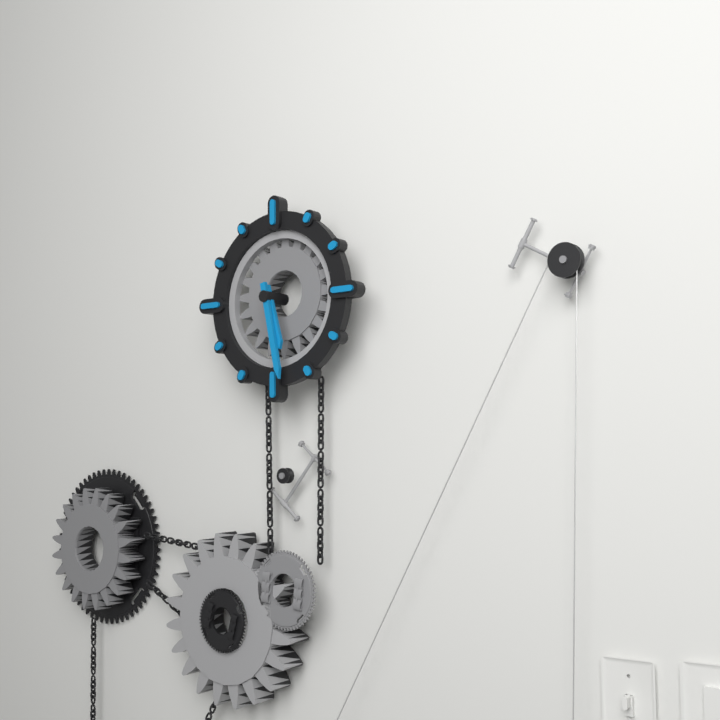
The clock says {"hour": 5, "minute": 28}
